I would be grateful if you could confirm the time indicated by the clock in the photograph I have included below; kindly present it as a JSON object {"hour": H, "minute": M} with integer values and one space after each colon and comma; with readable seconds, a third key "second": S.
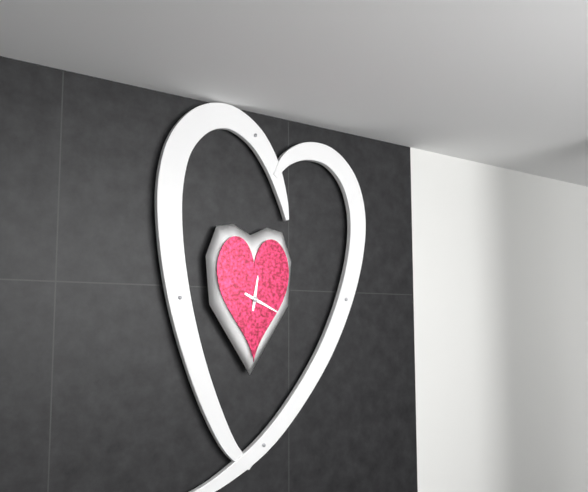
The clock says {"hour": 12, "minute": 19}
